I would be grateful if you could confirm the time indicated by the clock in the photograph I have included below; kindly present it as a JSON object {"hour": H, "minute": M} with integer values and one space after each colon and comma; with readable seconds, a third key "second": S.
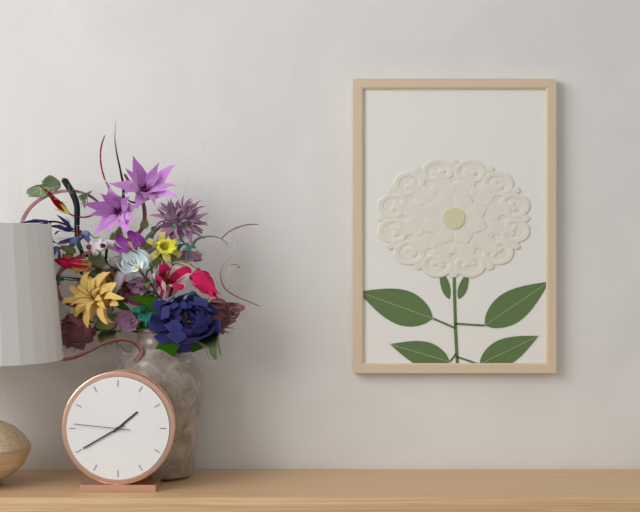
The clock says {"hour": 1, "minute": 40, "second": 46}
